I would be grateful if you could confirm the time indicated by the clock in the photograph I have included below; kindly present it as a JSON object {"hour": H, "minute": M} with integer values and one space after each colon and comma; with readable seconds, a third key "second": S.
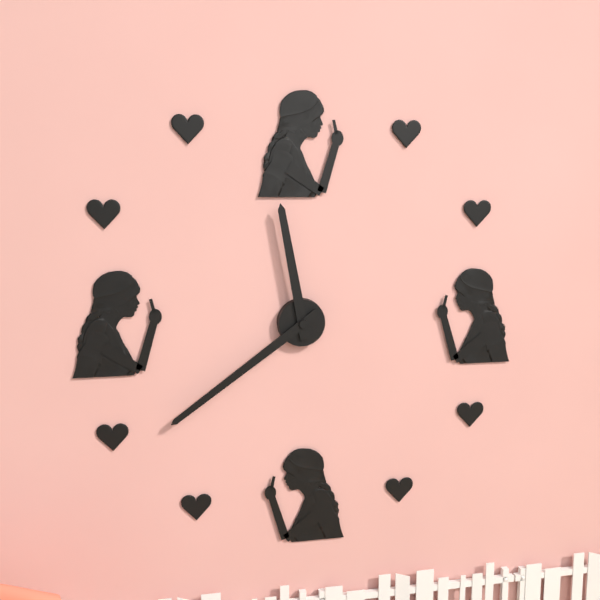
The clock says {"hour": 11, "minute": 39}
